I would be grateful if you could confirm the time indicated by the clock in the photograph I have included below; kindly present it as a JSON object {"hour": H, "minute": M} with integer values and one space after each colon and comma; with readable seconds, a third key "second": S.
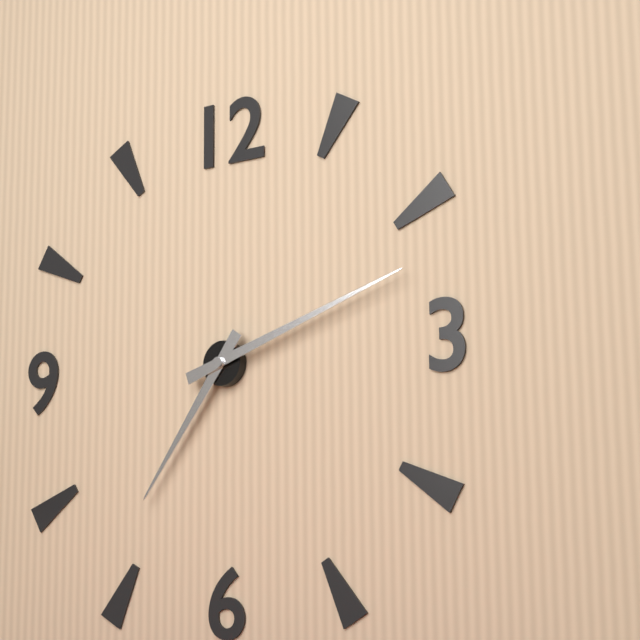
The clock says {"hour": 7, "minute": 12}
